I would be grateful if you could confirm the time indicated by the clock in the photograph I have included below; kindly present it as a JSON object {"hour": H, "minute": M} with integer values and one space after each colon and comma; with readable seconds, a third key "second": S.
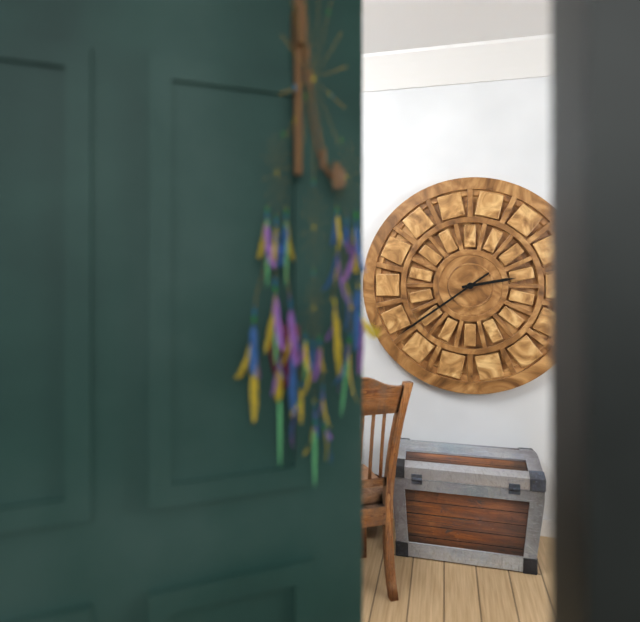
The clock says {"hour": 2, "minute": 39}
